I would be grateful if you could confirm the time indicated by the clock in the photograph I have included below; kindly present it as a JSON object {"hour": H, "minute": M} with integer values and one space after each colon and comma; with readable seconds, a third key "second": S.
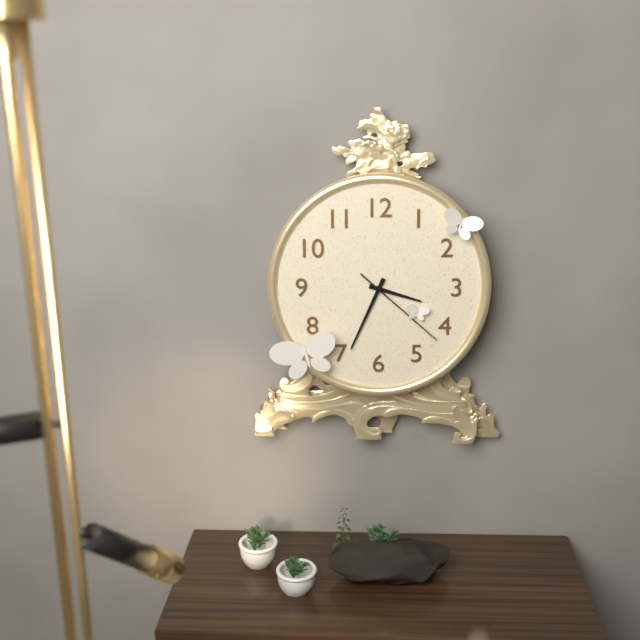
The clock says {"hour": 3, "minute": 34, "second": 22}
